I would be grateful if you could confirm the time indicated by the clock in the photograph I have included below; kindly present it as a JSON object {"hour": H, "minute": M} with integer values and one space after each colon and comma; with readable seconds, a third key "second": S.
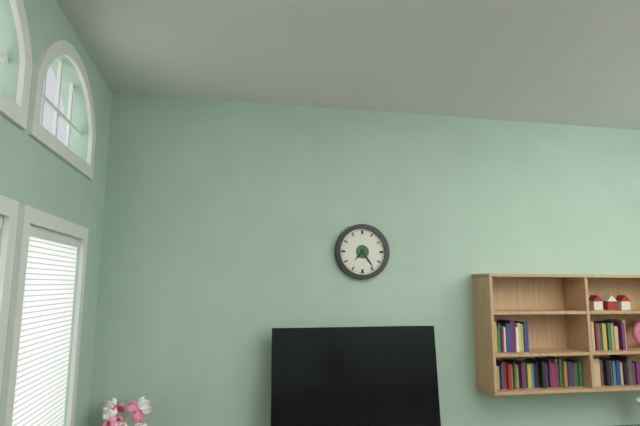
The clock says {"hour": 7, "minute": 24}
